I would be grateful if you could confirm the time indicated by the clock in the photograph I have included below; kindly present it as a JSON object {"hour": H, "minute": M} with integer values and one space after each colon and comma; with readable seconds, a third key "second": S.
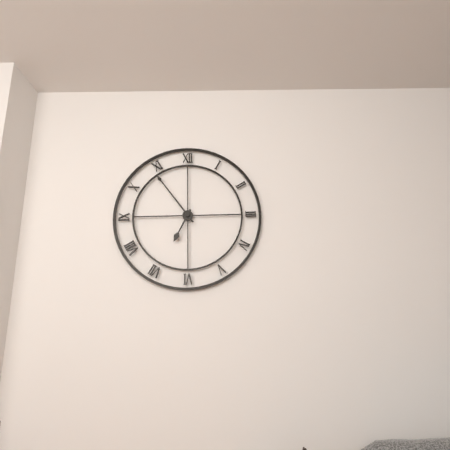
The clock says {"hour": 6, "minute": 54}
